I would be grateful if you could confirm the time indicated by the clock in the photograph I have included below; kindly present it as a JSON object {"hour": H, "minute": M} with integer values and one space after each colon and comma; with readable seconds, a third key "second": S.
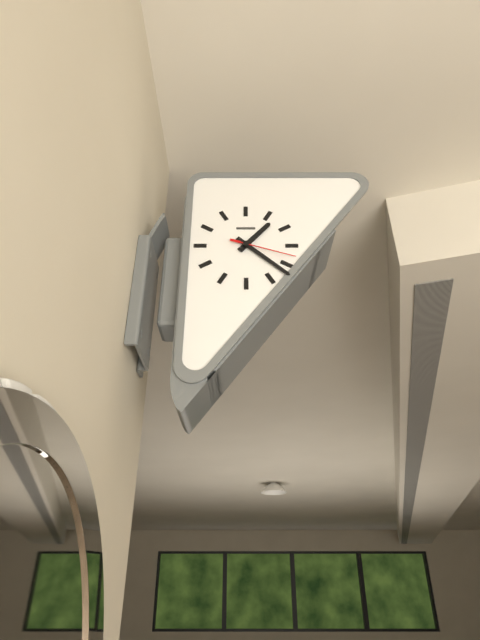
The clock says {"hour": 1, "minute": 22, "second": 18}
